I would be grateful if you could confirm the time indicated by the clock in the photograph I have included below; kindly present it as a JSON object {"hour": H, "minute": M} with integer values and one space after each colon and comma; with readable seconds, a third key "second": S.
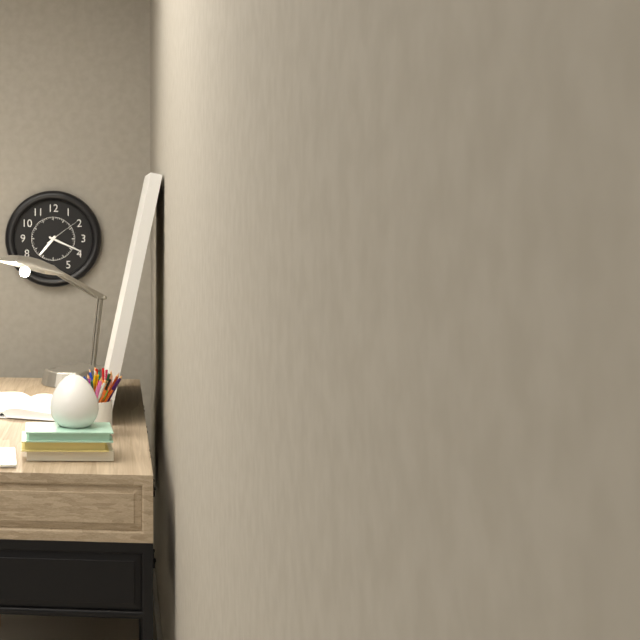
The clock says {"hour": 7, "minute": 19}
